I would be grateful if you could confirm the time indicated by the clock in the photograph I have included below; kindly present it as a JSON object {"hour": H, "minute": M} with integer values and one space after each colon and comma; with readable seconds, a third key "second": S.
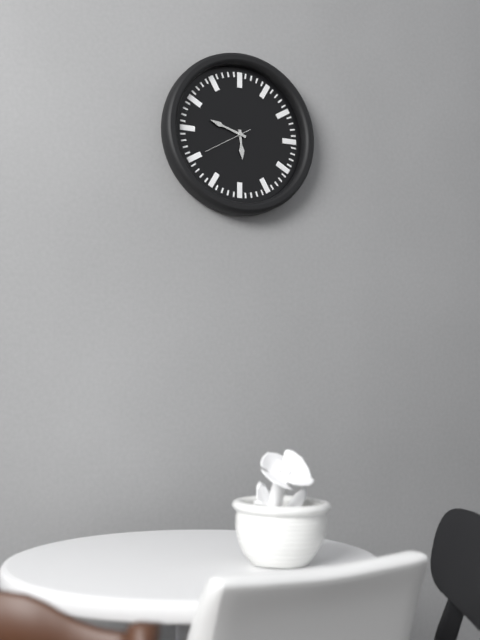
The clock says {"hour": 5, "minute": 48}
